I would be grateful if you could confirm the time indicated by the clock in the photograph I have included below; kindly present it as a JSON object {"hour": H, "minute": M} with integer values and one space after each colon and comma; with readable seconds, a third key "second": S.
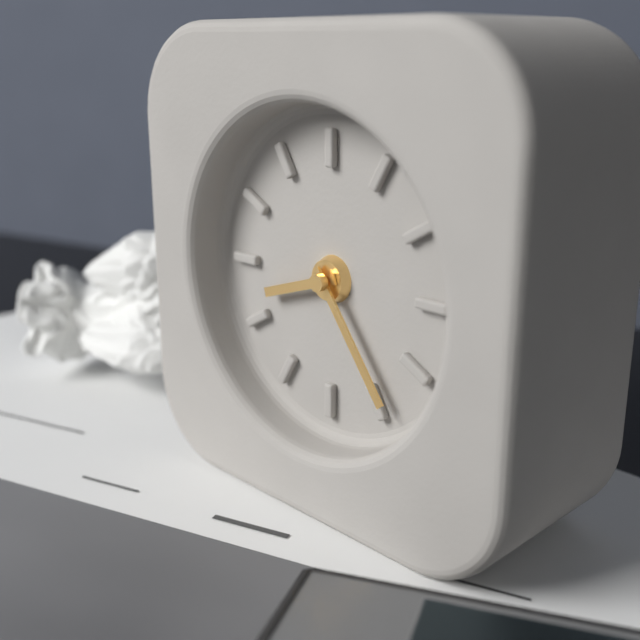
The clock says {"hour": 8, "minute": 24}
